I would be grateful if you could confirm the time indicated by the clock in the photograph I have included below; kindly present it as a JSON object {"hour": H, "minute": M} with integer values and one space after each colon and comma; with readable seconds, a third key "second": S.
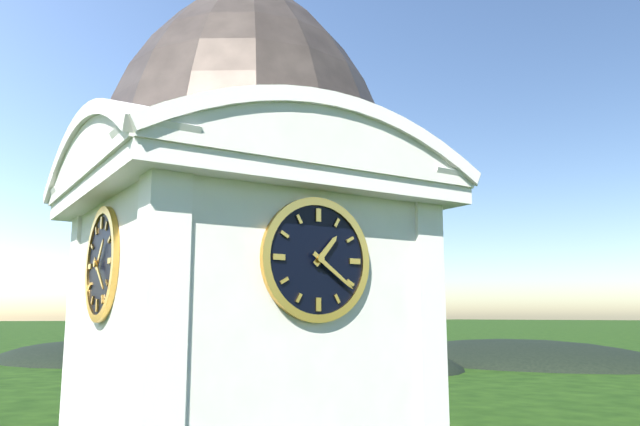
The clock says {"hour": 1, "minute": 21}
